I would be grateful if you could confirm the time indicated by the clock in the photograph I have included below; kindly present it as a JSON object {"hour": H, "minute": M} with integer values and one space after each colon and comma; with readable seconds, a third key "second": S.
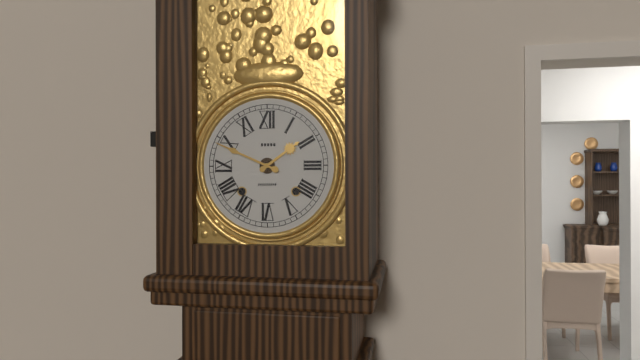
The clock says {"hour": 1, "minute": 49}
